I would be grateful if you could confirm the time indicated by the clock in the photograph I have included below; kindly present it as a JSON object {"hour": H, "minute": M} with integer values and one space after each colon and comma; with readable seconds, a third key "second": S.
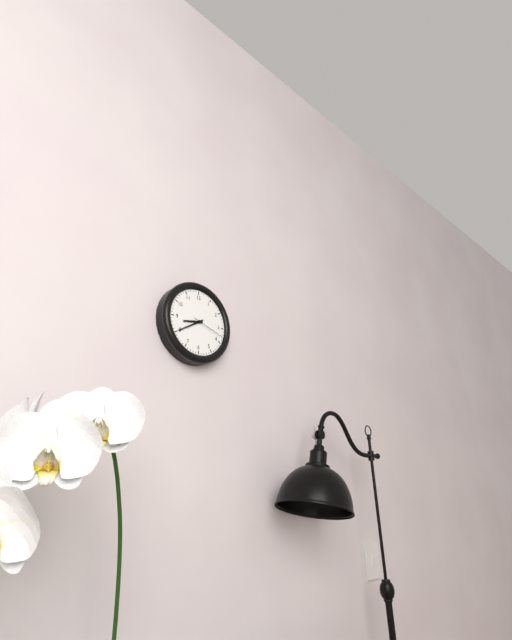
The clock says {"hour": 8, "minute": 40}
